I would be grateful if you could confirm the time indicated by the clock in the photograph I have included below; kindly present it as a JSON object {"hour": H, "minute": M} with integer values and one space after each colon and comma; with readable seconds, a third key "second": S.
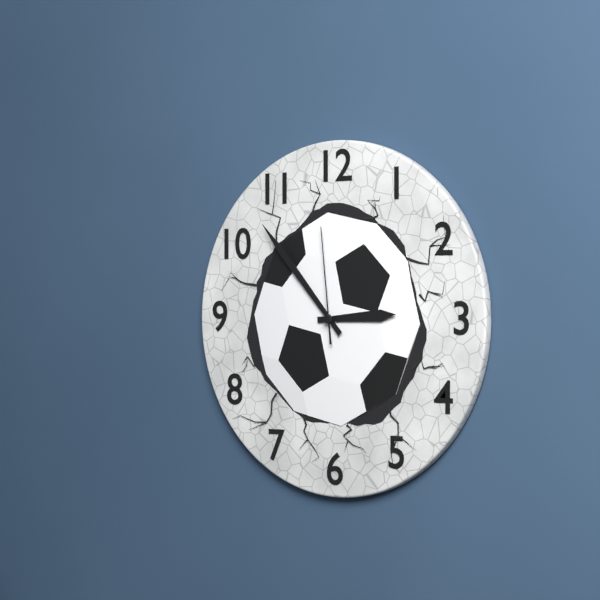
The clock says {"hour": 2, "minute": 53, "second": 59}
